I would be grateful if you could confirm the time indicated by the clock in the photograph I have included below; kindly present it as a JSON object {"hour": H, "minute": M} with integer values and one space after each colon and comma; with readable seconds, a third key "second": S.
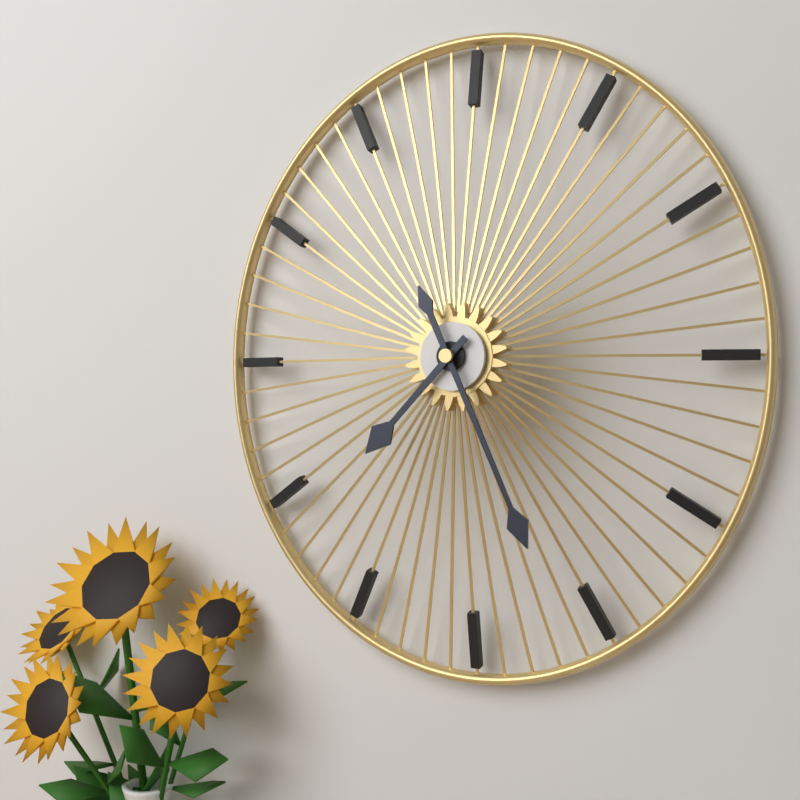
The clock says {"hour": 7, "minute": 26}
